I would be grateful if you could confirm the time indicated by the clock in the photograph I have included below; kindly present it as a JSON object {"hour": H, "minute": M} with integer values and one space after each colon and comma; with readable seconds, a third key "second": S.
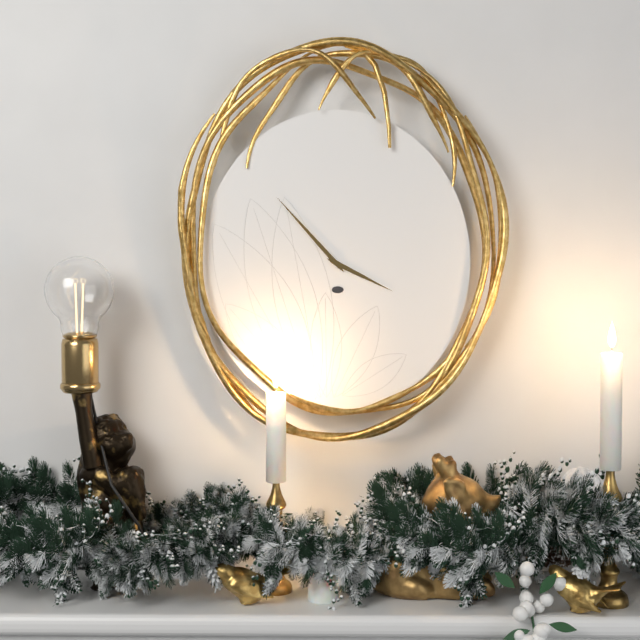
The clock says {"hour": 3, "minute": 53}
